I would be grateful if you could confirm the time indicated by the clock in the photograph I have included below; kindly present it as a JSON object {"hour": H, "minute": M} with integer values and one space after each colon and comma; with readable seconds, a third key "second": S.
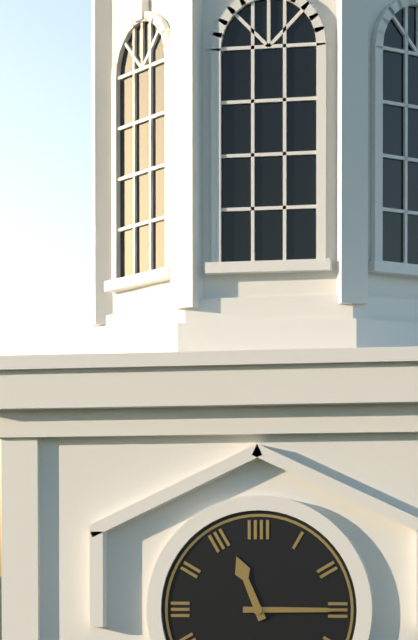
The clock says {"hour": 11, "minute": 15}
